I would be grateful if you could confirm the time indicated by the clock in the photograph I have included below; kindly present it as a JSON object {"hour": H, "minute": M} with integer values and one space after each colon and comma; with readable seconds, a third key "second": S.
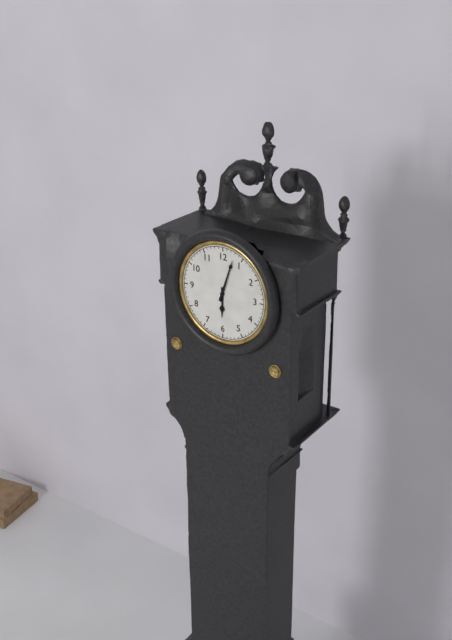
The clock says {"hour": 6, "minute": 3}
